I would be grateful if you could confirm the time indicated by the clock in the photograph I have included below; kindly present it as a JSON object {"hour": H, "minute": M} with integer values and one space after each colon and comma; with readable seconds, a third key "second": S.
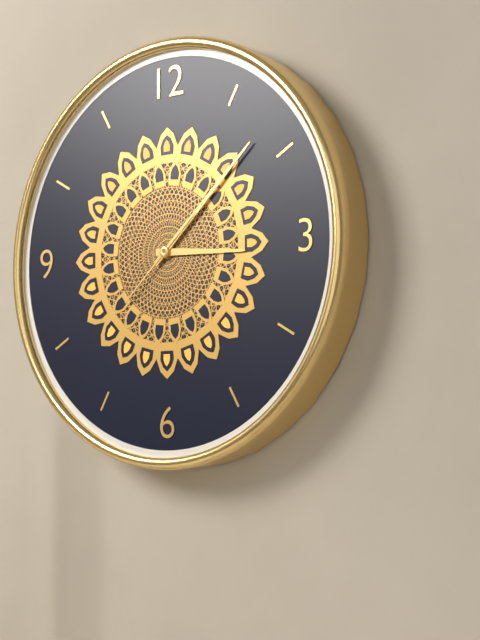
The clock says {"hour": 3, "minute": 8, "second": 38}
